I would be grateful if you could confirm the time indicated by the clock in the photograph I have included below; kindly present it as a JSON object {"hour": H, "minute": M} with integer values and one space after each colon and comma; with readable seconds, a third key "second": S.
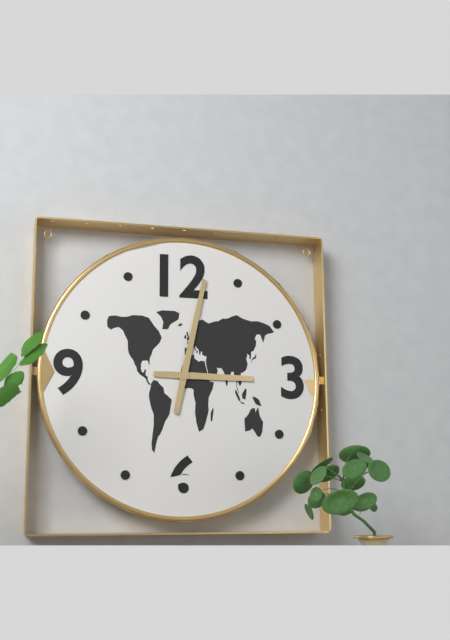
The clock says {"hour": 3, "minute": 2}
